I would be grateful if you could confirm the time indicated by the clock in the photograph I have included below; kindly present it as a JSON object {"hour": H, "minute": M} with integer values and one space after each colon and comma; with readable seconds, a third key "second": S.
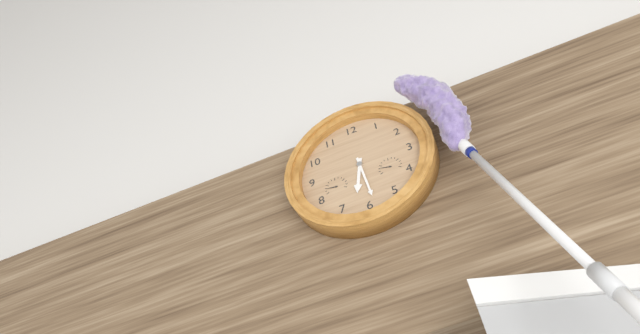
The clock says {"hour": 6, "minute": 29}
